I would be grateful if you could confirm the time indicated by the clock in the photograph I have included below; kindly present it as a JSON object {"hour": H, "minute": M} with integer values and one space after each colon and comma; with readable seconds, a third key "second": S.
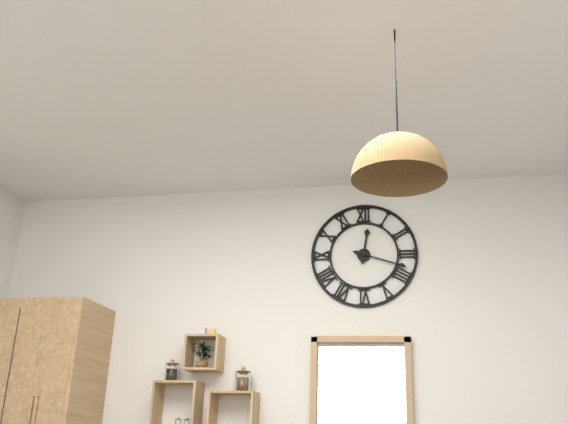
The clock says {"hour": 12, "minute": 18}
